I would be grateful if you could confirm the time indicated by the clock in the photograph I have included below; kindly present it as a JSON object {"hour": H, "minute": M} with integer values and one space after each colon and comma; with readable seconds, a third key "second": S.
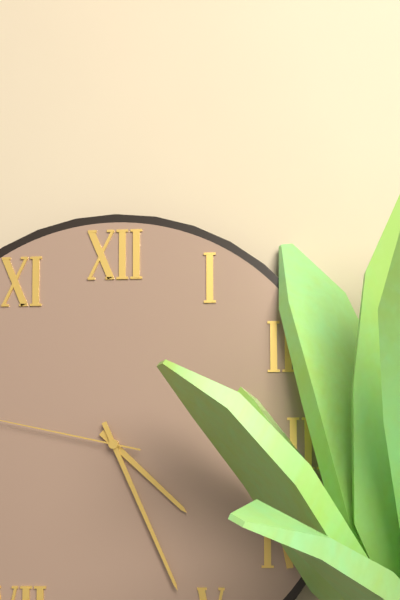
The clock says {"hour": 4, "minute": 26}
